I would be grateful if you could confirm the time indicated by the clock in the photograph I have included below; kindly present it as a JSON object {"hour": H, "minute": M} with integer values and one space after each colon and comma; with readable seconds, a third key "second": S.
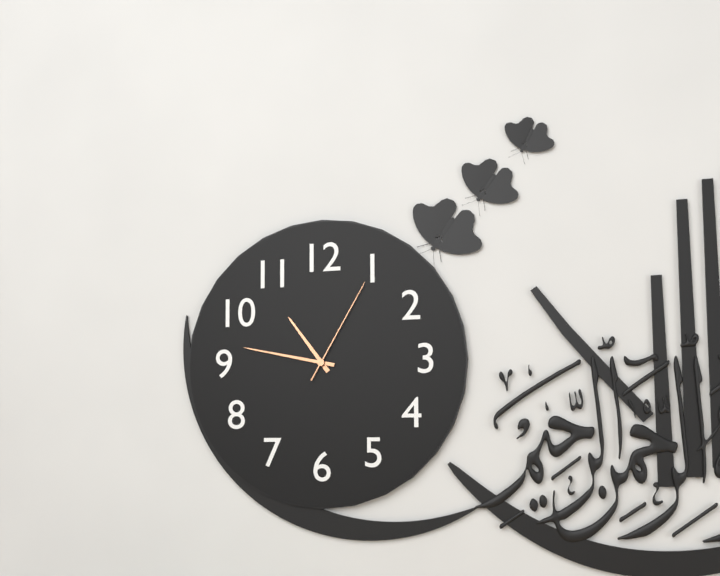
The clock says {"hour": 10, "minute": 47, "second": 5}
